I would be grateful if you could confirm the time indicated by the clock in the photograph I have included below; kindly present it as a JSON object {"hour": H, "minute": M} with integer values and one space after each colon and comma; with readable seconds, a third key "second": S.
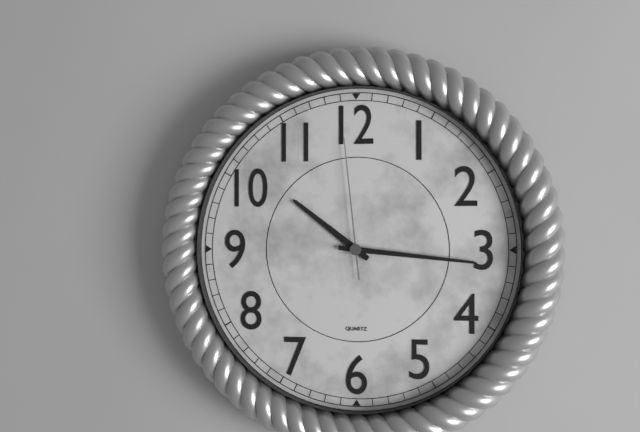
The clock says {"hour": 10, "minute": 16, "second": 59}
